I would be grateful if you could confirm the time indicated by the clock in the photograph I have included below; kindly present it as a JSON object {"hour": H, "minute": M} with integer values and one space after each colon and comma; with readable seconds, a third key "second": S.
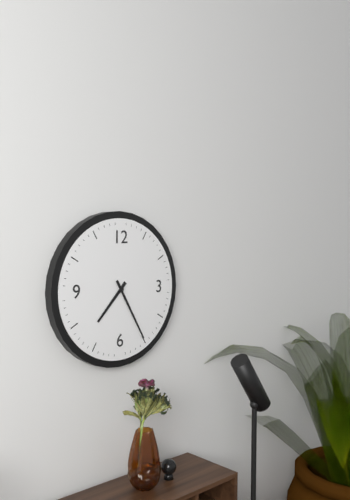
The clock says {"hour": 7, "minute": 25}
